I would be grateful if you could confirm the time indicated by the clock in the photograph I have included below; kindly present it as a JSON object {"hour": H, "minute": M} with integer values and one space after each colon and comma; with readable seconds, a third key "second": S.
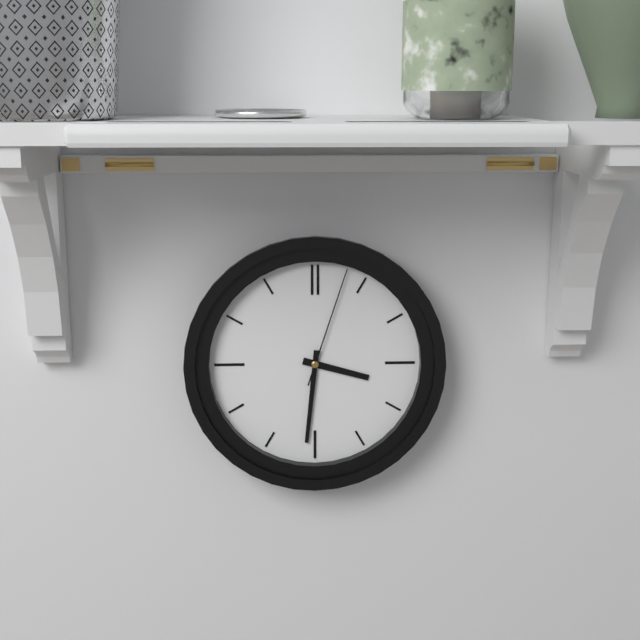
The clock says {"hour": 3, "minute": 31, "second": 3}
